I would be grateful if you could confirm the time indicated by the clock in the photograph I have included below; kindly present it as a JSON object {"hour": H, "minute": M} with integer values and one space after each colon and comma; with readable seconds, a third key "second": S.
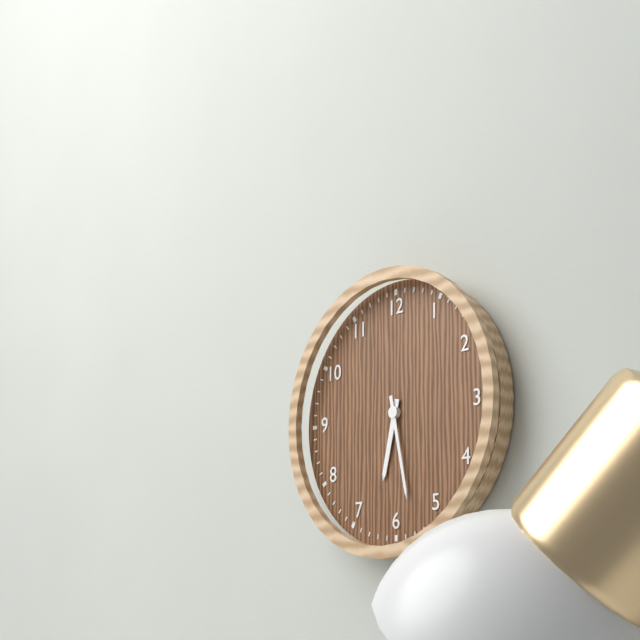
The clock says {"hour": 6, "minute": 28}
